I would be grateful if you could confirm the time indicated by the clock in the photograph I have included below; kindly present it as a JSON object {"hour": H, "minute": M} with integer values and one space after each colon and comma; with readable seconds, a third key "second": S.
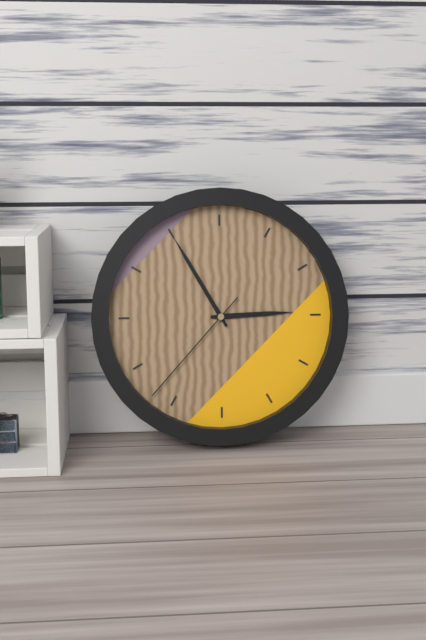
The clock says {"hour": 2, "minute": 55, "second": 37}
